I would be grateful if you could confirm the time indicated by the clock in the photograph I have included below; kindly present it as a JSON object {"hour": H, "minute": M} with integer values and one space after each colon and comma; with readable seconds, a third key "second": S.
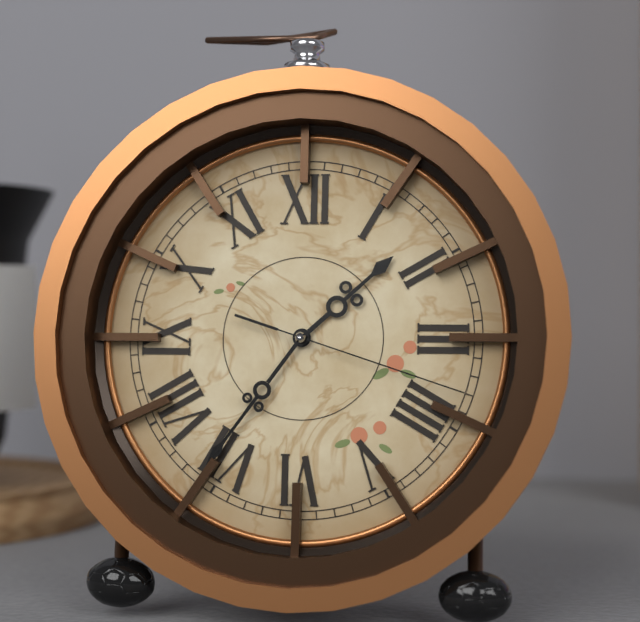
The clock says {"hour": 1, "minute": 36, "second": 18}
